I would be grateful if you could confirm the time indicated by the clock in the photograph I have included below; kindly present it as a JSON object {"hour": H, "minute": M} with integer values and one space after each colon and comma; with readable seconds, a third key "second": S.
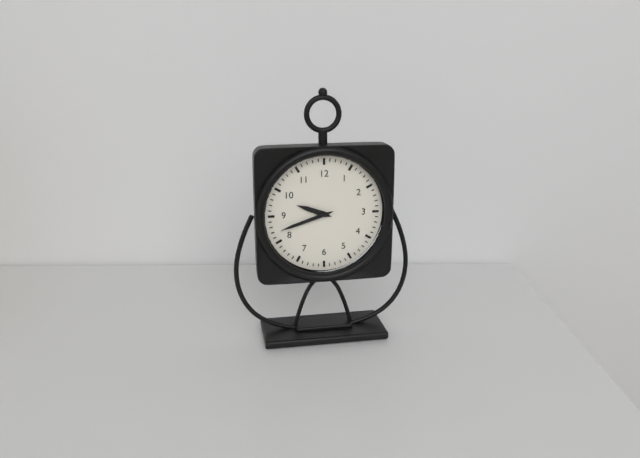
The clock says {"hour": 9, "minute": 42}
